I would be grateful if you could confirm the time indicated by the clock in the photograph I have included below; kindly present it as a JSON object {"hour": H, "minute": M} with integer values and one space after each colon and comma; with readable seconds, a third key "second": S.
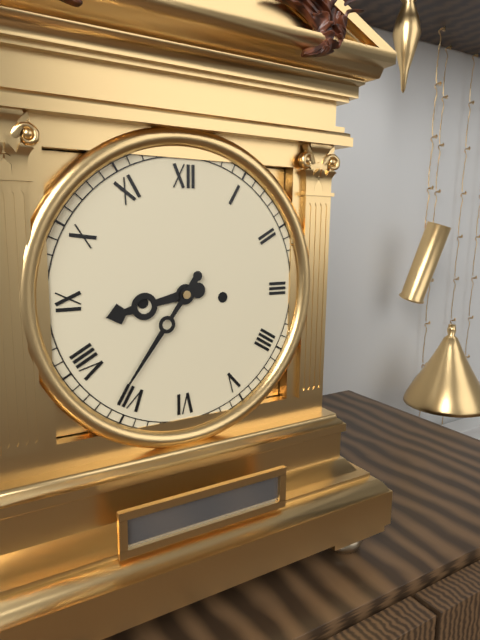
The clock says {"hour": 8, "minute": 36}
